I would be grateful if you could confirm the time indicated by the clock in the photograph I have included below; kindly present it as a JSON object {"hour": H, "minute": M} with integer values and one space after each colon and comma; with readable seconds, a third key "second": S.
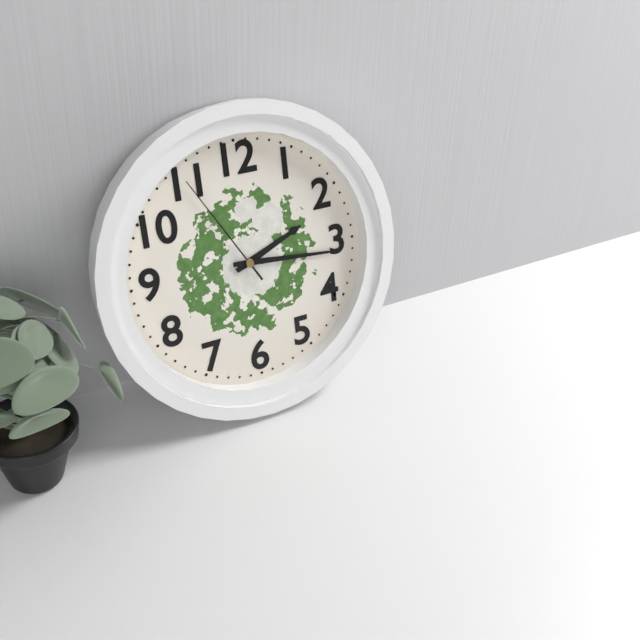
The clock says {"hour": 2, "minute": 16, "second": 55}
